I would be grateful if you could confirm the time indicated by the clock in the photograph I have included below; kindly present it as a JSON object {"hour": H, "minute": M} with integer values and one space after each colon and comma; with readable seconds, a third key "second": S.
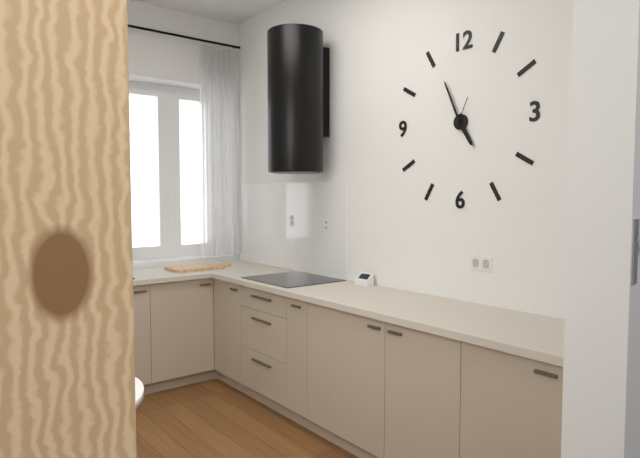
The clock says {"hour": 4, "minute": 56}
